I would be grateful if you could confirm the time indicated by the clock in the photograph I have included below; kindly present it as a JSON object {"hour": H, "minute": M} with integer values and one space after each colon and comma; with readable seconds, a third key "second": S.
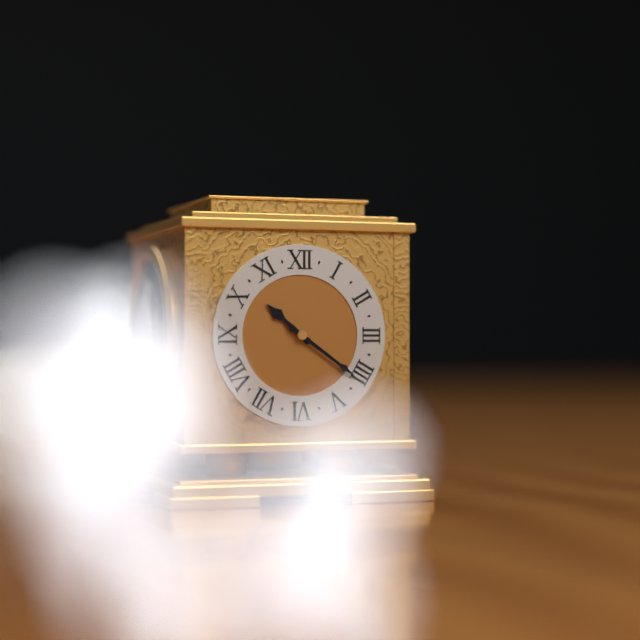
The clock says {"hour": 10, "minute": 21}
